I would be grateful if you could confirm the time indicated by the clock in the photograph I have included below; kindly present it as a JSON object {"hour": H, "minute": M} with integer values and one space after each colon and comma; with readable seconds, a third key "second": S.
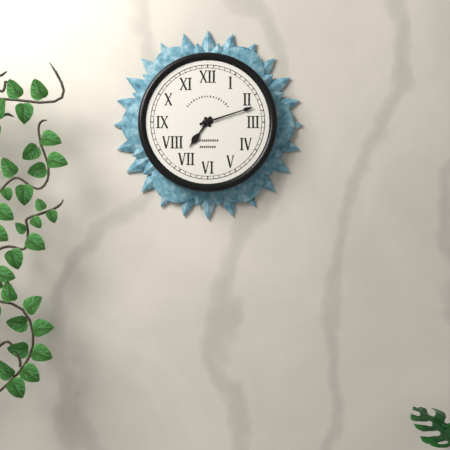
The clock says {"hour": 7, "minute": 12}
